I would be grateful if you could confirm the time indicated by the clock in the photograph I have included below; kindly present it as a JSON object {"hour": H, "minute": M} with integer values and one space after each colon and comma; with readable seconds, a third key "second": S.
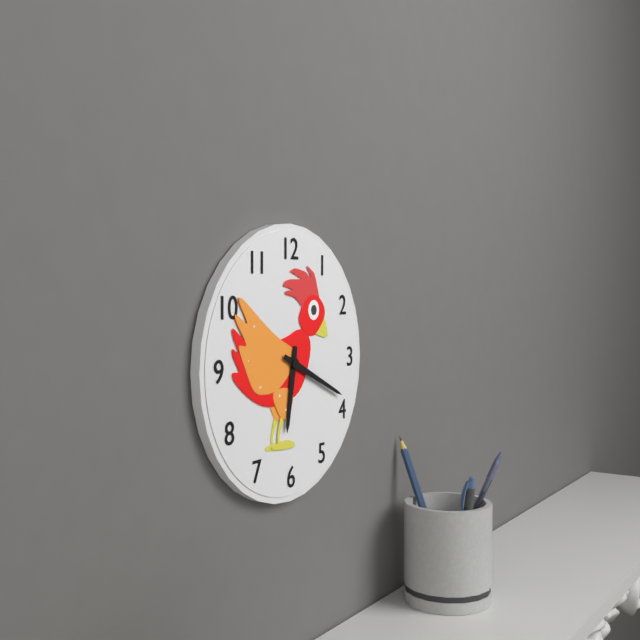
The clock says {"hour": 6, "minute": 19}
